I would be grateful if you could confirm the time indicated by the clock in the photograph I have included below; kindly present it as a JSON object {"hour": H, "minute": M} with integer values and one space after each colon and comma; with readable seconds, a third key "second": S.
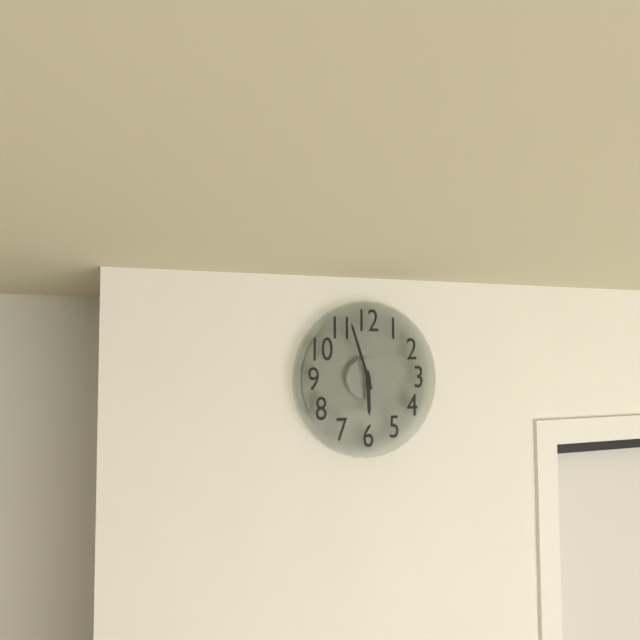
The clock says {"hour": 5, "minute": 57}
